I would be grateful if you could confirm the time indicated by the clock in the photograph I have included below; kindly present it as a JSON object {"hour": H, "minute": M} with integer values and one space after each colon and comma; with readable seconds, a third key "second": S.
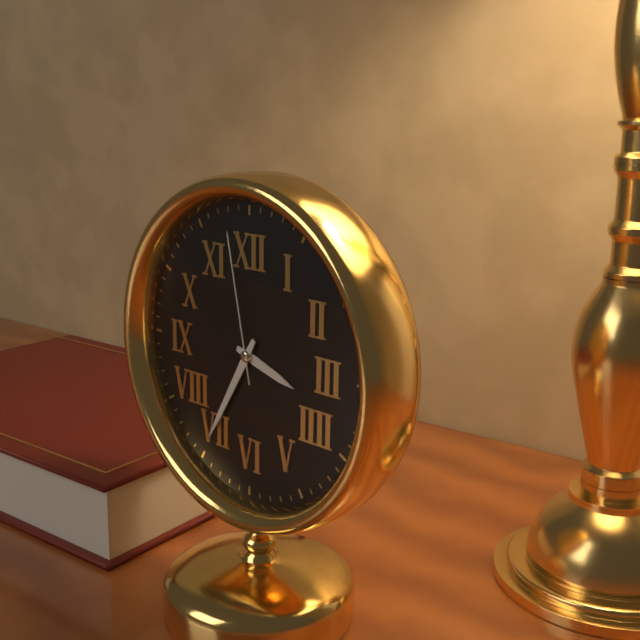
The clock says {"hour": 3, "minute": 35, "second": 58}
